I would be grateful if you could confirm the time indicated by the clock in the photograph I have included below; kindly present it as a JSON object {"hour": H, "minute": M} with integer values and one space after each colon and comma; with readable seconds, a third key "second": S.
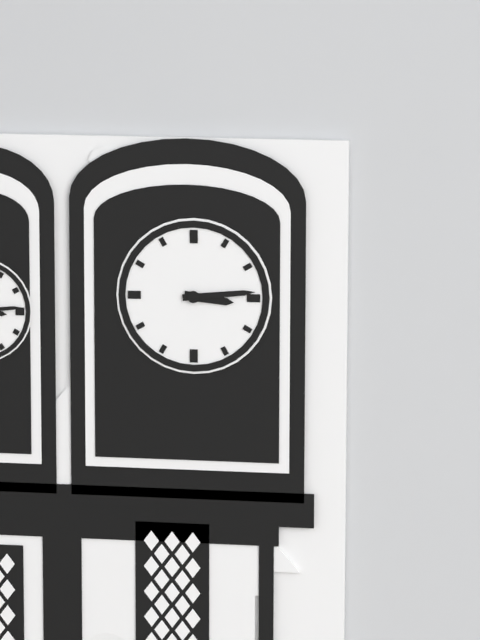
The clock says {"hour": 3, "minute": 14}
